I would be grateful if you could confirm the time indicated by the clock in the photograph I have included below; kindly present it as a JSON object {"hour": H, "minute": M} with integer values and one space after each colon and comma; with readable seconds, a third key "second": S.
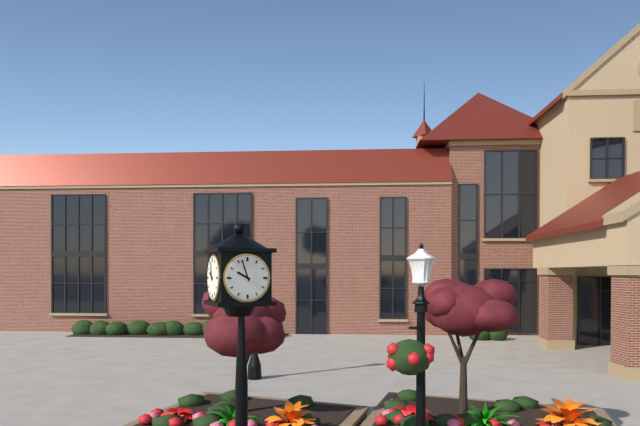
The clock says {"hour": 9, "minute": 57}
